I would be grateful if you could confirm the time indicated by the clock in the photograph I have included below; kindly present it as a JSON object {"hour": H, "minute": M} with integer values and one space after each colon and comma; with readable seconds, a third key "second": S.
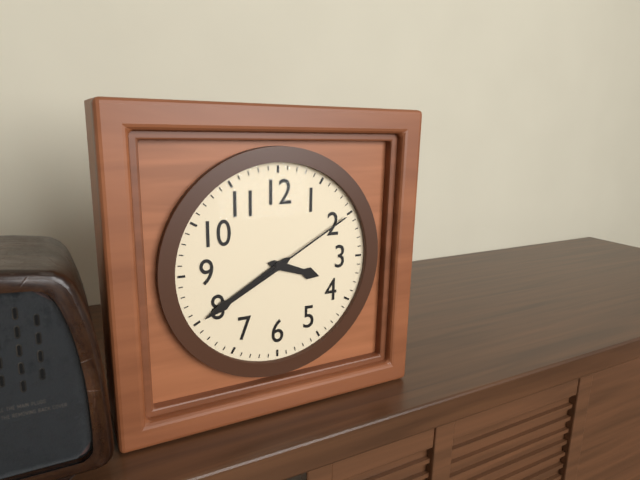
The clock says {"hour": 3, "minute": 40, "second": 10}
